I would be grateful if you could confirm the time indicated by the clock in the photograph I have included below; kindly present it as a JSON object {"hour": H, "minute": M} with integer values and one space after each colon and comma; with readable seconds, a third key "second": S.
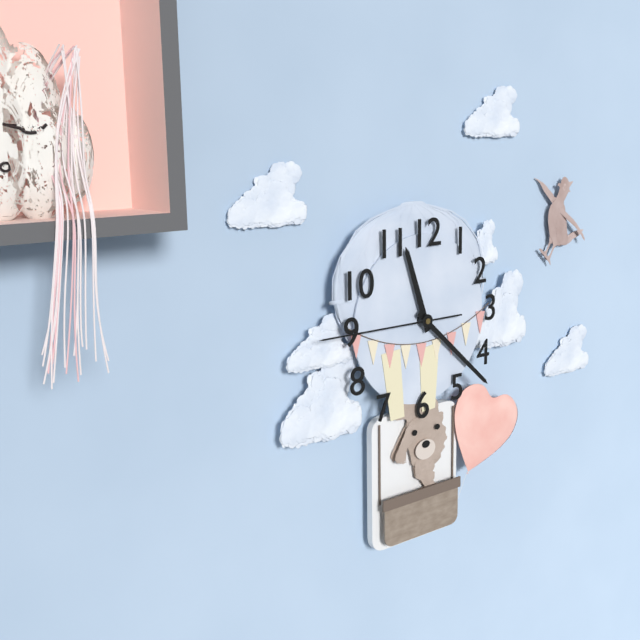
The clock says {"hour": 11, "minute": 22, "second": 45}
